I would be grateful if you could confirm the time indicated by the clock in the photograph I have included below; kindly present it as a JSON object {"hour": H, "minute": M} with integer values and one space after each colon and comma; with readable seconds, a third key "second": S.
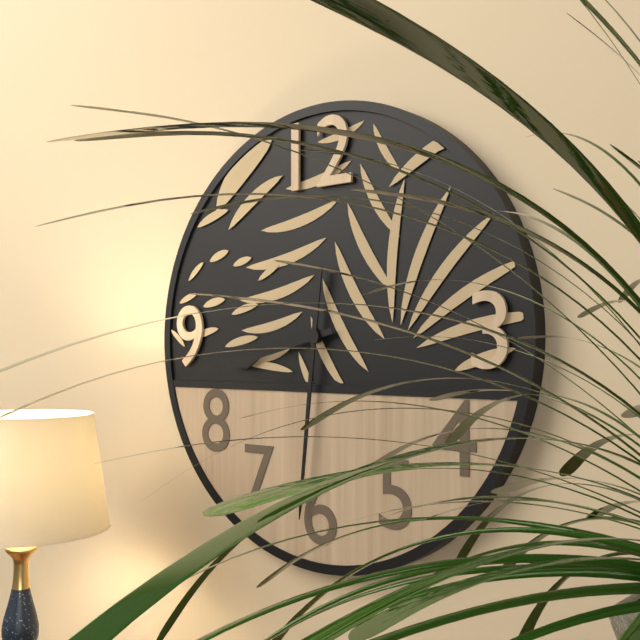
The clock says {"hour": 8, "minute": 31}
